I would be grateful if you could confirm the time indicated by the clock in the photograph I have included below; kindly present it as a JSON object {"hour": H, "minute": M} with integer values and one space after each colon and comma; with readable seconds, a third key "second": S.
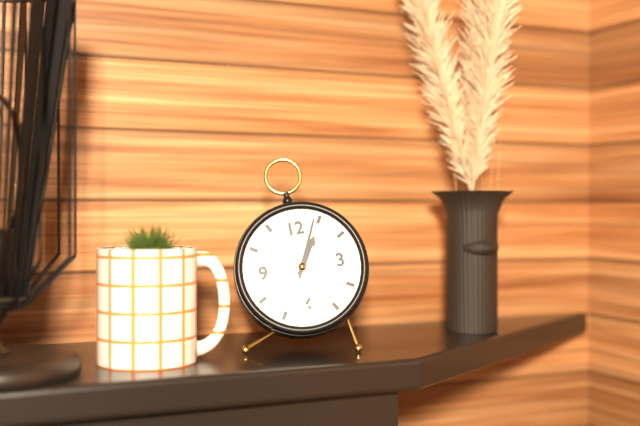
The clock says {"hour": 1, "minute": 4}
